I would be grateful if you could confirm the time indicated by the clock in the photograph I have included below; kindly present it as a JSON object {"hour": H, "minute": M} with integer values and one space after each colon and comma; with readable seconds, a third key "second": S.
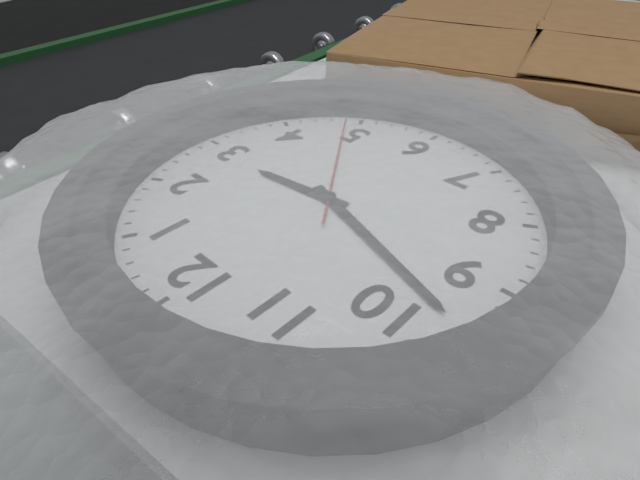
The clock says {"hour": 2, "minute": 48, "second": 24}
